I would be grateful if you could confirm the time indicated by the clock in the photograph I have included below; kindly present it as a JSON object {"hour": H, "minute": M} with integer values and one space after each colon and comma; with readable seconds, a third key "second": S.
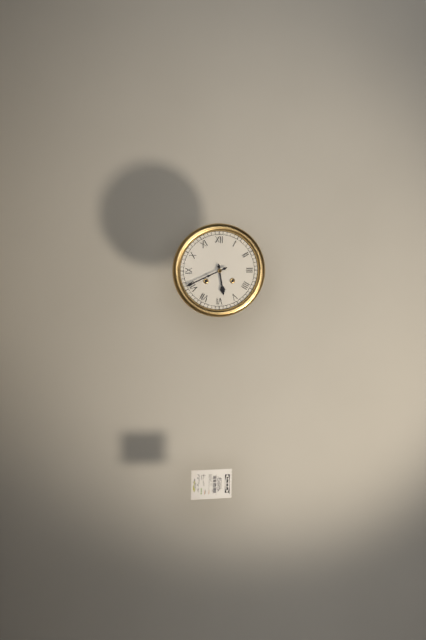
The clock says {"hour": 5, "minute": 41}
